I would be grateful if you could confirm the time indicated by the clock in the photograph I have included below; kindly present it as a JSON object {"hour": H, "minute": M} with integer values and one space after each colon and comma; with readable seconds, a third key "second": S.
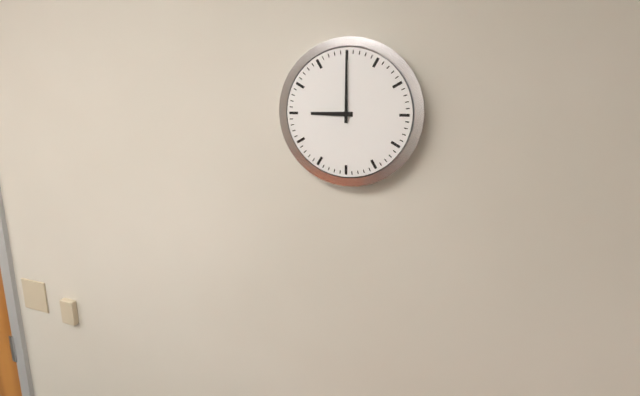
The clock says {"hour": 9, "minute": 0}
